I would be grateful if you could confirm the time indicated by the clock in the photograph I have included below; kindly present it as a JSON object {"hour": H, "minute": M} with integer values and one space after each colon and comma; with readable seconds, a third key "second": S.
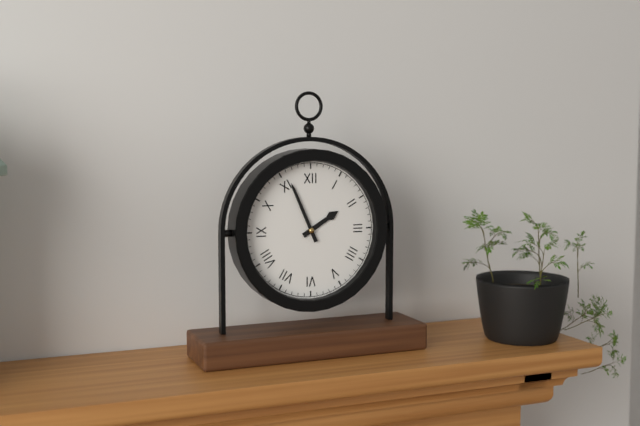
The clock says {"hour": 1, "minute": 56}
